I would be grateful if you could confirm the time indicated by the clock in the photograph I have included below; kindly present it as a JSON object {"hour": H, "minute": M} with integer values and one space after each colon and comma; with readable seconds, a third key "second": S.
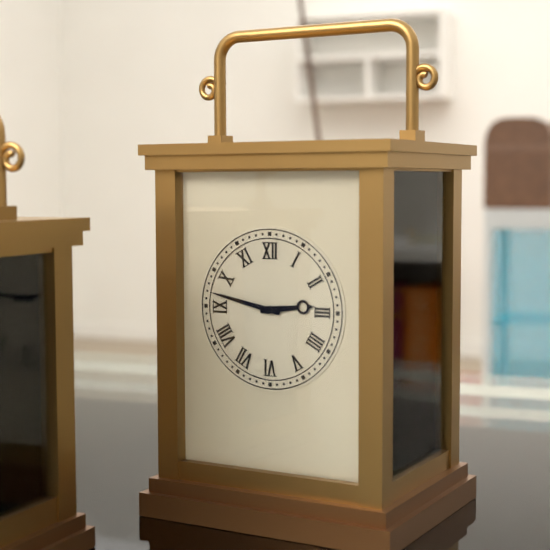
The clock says {"hour": 2, "minute": 47}
